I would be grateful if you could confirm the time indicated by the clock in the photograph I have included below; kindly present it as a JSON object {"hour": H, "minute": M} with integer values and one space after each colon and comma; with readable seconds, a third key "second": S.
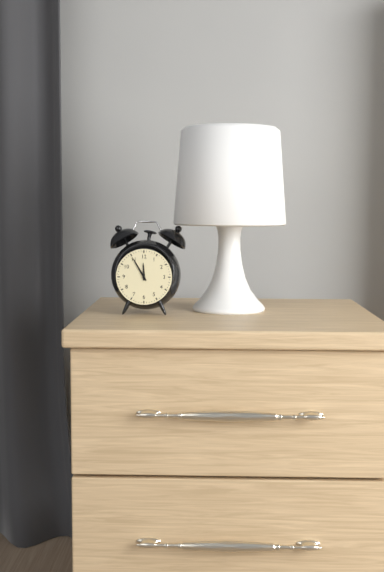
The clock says {"hour": 11, "minute": 55}
